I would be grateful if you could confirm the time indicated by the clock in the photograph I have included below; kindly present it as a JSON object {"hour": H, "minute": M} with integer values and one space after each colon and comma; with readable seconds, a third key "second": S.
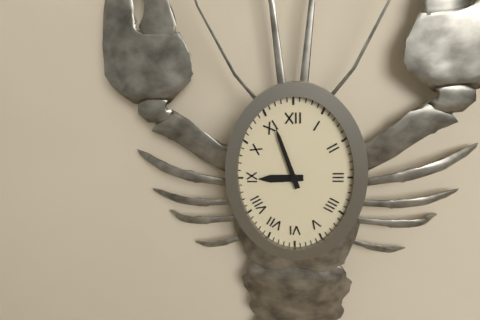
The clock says {"hour": 8, "minute": 57}
